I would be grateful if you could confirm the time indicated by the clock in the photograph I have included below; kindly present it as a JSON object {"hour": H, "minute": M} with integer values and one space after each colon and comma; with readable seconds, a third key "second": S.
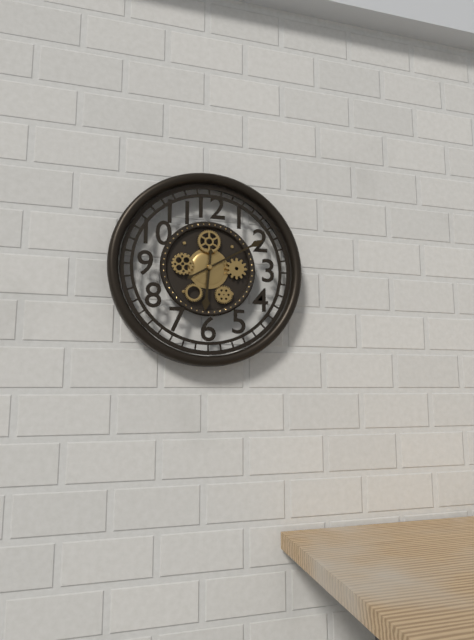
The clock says {"hour": 6, "minute": 10}
